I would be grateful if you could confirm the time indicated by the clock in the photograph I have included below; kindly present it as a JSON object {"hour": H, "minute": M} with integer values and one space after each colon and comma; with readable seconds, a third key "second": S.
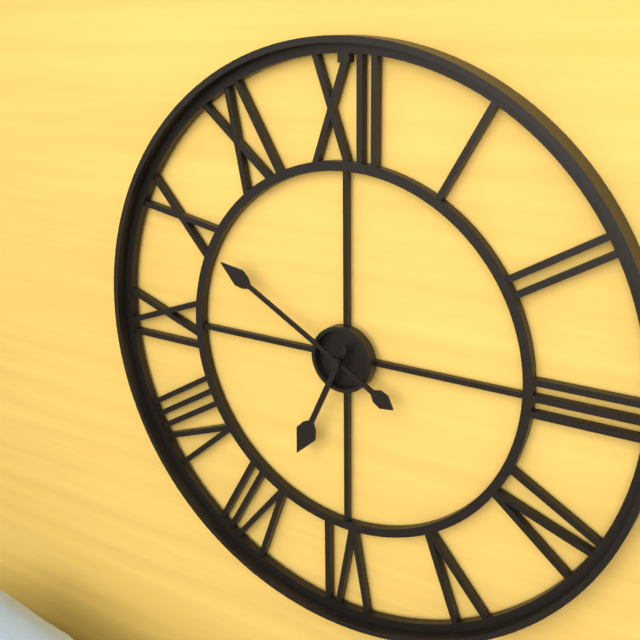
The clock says {"hour": 6, "minute": 50}
